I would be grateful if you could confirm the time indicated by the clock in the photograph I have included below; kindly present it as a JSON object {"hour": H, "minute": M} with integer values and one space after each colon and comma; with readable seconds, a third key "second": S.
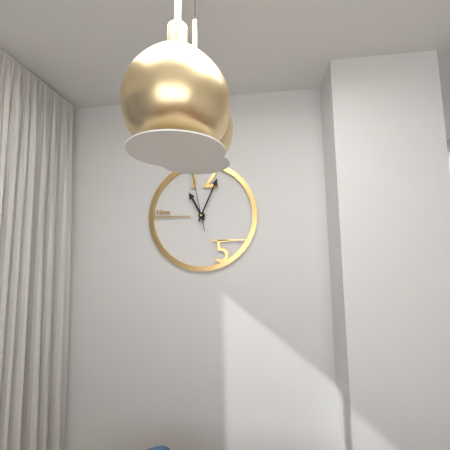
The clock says {"hour": 11, "minute": 4, "second": 58}
